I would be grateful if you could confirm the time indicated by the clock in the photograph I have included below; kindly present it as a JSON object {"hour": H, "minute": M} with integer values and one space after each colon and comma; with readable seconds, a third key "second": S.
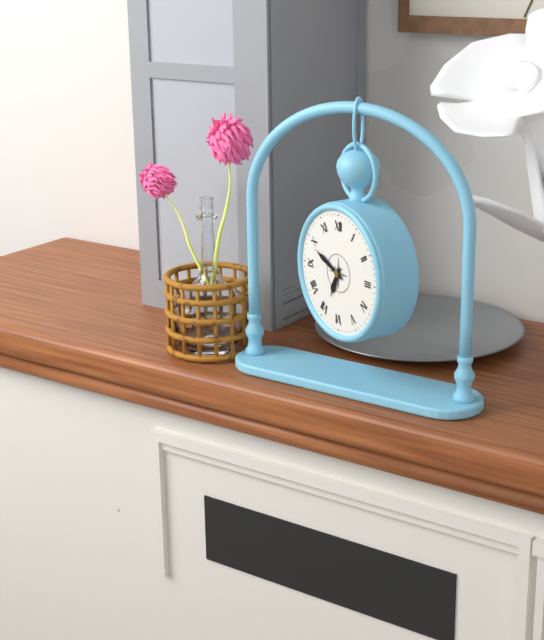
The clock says {"hour": 6, "minute": 49}
